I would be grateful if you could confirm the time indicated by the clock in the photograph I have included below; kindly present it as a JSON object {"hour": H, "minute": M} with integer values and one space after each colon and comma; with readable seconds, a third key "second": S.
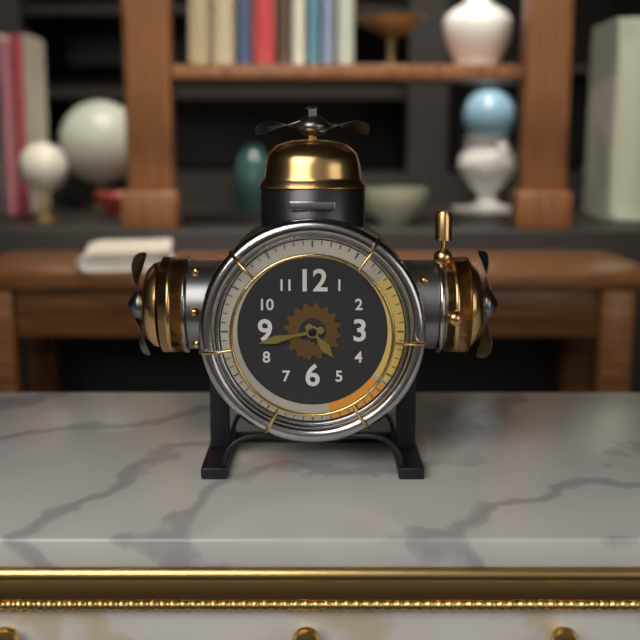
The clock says {"hour": 4, "minute": 43}
